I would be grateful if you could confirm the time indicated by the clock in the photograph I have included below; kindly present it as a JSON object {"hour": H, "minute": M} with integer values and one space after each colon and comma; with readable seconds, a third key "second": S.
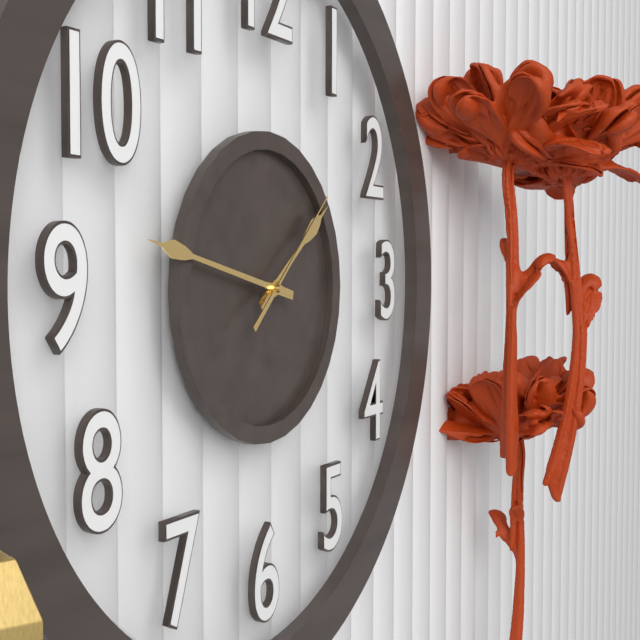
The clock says {"hour": 1, "minute": 47, "second": 8}
